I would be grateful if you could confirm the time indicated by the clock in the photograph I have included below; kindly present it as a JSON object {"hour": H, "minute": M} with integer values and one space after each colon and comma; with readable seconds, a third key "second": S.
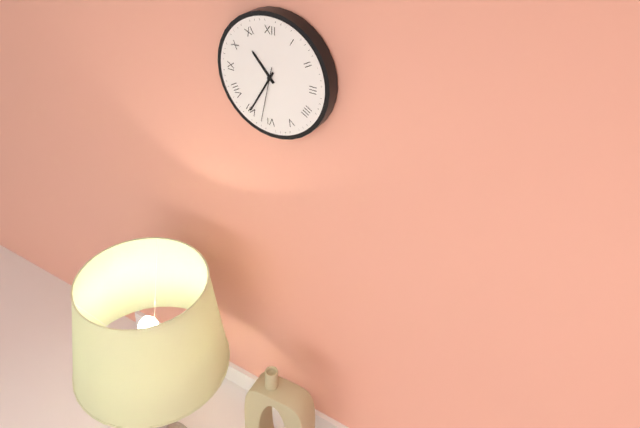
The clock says {"hour": 10, "minute": 35, "second": 32}
